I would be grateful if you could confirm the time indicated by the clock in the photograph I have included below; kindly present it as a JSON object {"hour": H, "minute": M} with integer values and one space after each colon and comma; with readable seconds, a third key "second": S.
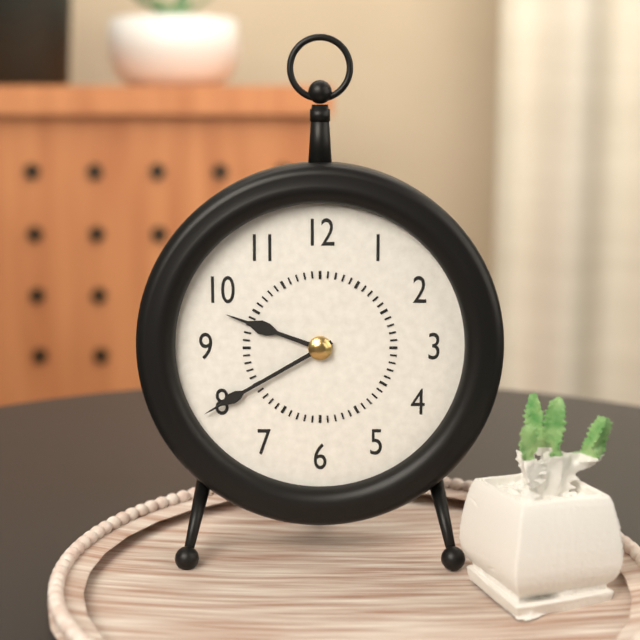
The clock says {"hour": 9, "minute": 40}
